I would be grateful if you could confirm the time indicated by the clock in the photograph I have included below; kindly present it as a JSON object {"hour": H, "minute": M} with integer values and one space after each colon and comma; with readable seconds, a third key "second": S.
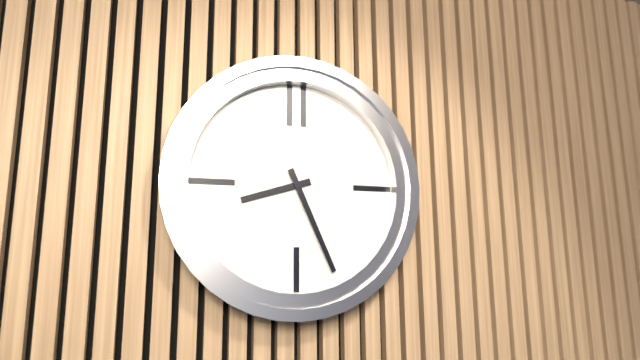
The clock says {"hour": 8, "minute": 26}
